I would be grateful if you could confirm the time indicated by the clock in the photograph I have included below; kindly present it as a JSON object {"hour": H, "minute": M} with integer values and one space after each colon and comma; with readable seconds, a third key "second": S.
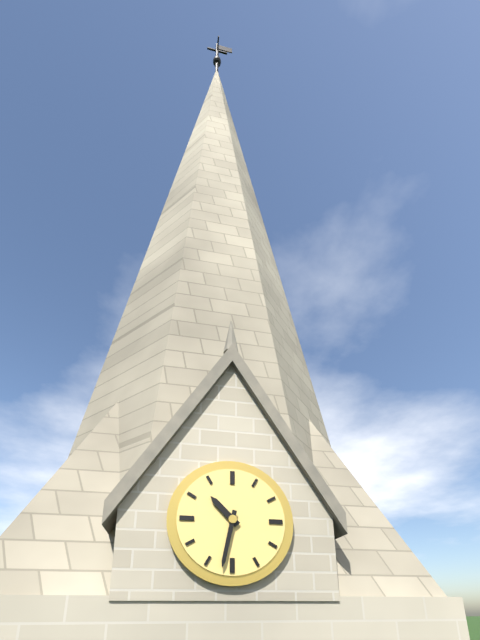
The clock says {"hour": 10, "minute": 32}
